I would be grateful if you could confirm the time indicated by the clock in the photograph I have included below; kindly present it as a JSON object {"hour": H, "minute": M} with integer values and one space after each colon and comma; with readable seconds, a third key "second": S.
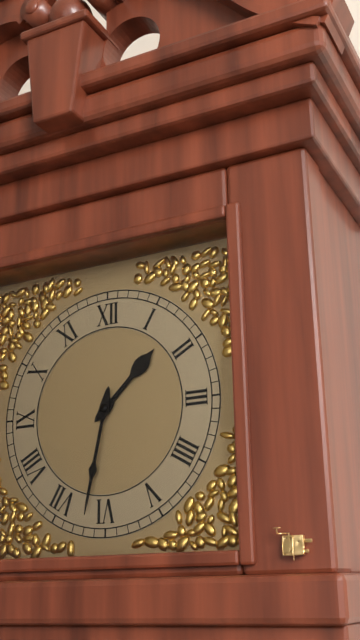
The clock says {"hour": 1, "minute": 32}
